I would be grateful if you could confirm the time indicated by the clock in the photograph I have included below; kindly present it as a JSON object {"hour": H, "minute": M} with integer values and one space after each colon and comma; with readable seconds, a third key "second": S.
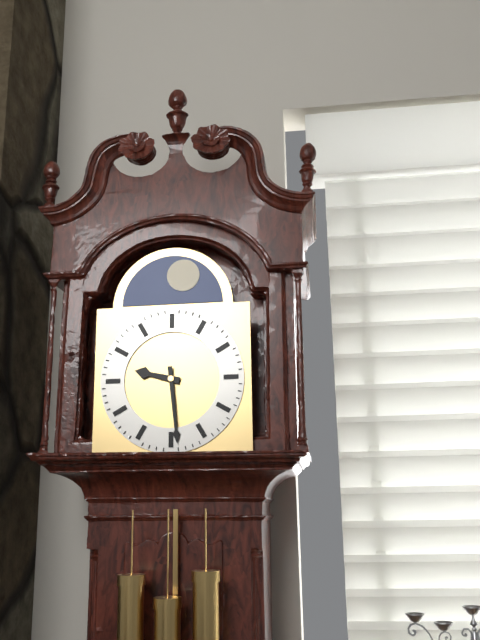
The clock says {"hour": 9, "minute": 29}
